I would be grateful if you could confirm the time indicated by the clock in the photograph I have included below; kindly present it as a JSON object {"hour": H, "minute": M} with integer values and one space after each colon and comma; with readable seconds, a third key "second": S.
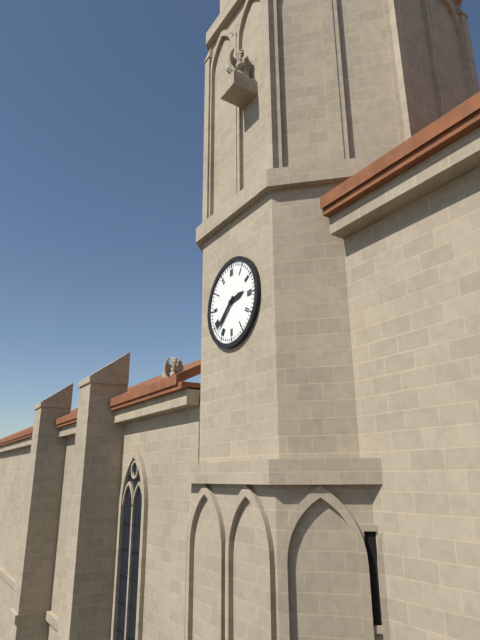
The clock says {"hour": 2, "minute": 38}
